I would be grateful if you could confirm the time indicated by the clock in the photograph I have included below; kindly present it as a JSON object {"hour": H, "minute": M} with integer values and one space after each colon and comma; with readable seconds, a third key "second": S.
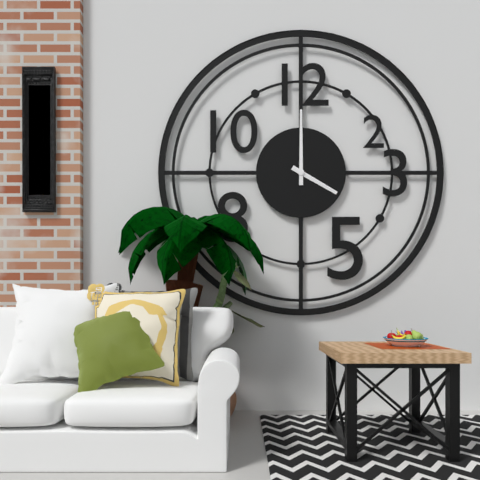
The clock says {"hour": 4, "minute": 0}
